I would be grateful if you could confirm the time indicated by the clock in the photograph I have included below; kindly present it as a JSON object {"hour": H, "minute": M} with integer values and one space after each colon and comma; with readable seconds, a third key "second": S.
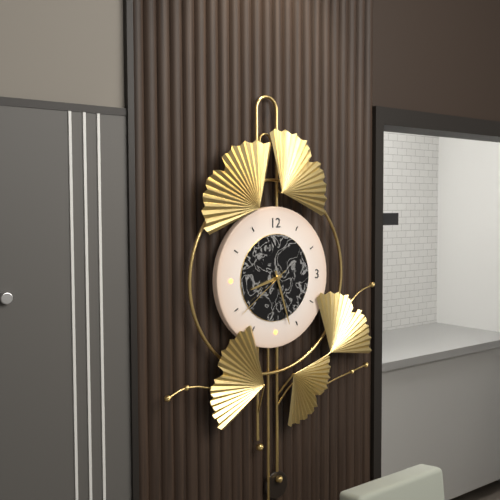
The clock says {"hour": 8, "minute": 27, "second": 39}
